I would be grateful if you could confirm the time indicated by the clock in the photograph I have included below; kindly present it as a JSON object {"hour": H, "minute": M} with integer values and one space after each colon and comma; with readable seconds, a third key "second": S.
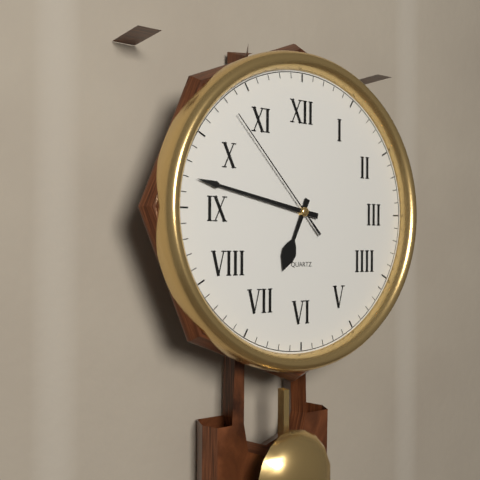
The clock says {"hour": 6, "minute": 47, "second": 53}
